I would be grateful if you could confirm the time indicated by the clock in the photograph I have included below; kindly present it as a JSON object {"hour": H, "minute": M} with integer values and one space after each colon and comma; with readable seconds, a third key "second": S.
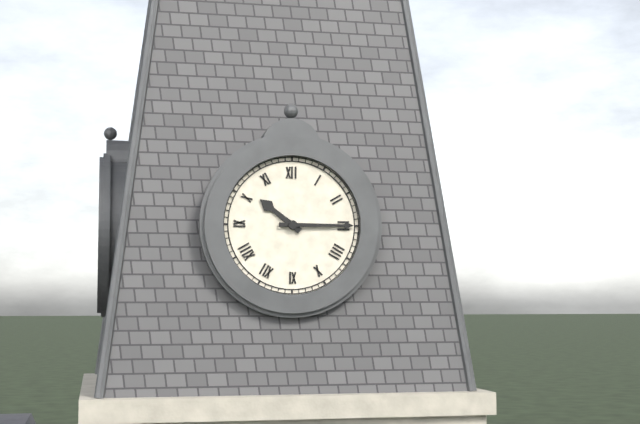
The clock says {"hour": 10, "minute": 15}
